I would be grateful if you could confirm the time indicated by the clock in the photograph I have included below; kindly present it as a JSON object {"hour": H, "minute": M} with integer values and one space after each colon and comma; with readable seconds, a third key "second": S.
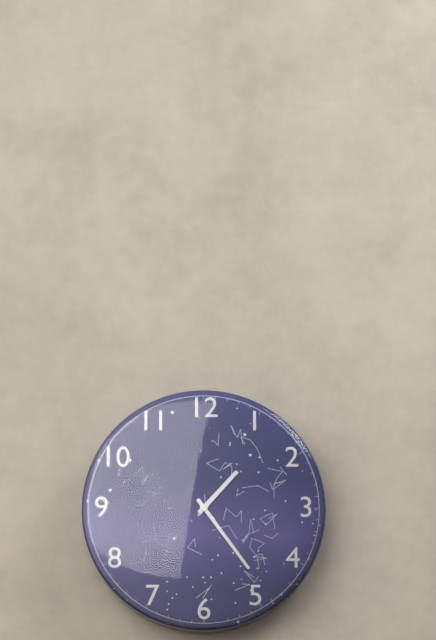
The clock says {"hour": 1, "minute": 24}
